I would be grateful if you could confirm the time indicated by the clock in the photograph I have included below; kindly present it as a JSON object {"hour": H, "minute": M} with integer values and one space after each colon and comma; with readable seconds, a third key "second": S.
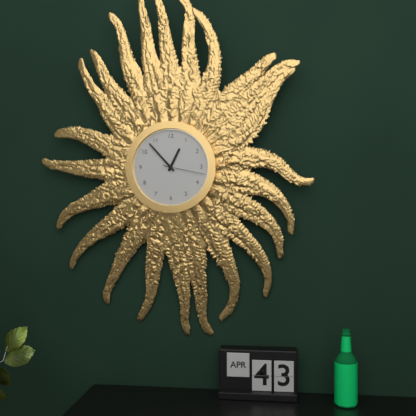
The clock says {"hour": 12, "minute": 53}
